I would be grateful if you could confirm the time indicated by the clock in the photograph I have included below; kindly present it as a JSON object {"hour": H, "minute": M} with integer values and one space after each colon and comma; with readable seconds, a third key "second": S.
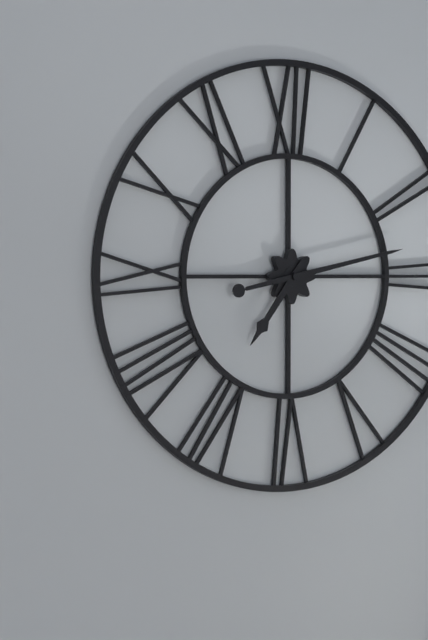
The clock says {"hour": 7, "minute": 13}
